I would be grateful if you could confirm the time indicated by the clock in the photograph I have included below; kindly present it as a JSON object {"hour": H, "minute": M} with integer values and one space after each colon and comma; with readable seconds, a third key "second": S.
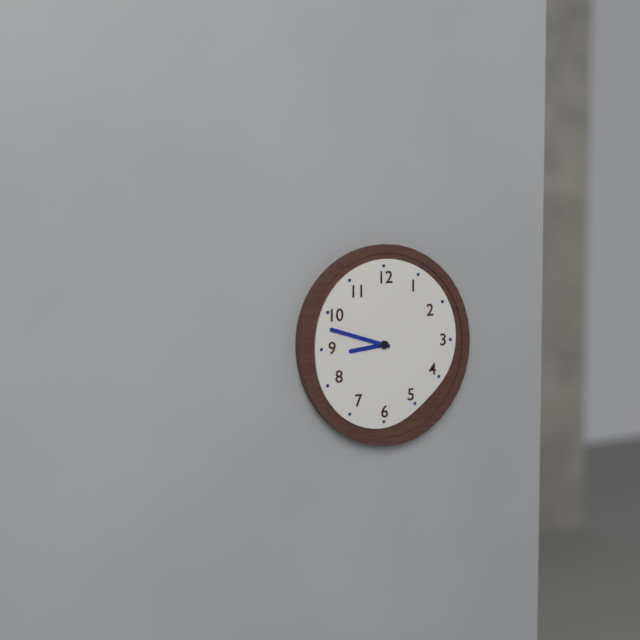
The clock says {"hour": 8, "minute": 48}
